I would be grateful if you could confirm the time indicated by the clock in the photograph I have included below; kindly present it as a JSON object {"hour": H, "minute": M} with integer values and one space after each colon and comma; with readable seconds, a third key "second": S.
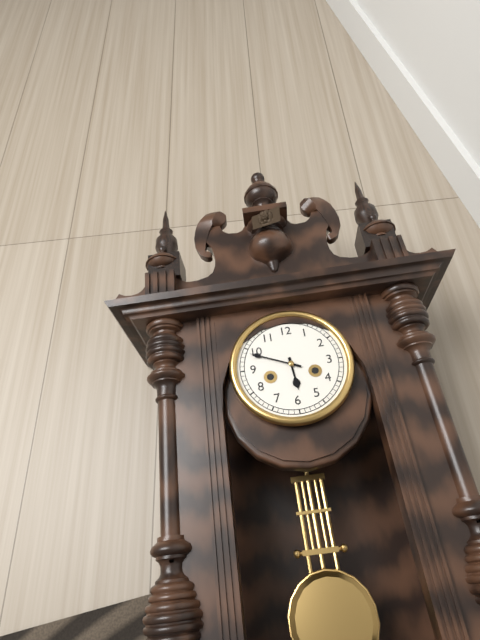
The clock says {"hour": 5, "minute": 49}
